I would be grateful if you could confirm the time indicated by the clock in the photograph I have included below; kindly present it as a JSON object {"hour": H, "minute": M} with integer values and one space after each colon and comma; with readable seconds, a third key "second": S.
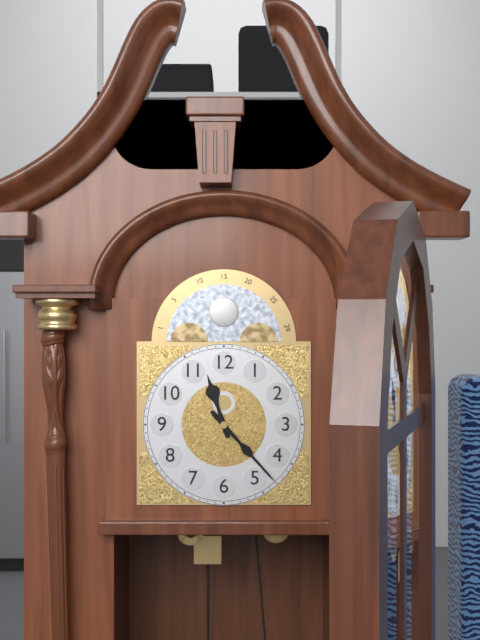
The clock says {"hour": 11, "minute": 23}
